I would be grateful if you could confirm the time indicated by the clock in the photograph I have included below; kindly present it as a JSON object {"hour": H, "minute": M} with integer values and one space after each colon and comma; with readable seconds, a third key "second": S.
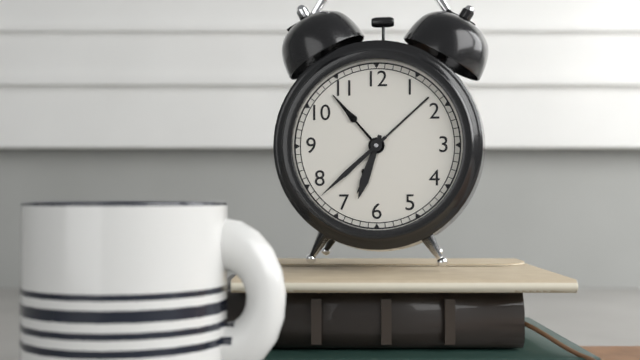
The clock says {"hour": 6, "minute": 38}
